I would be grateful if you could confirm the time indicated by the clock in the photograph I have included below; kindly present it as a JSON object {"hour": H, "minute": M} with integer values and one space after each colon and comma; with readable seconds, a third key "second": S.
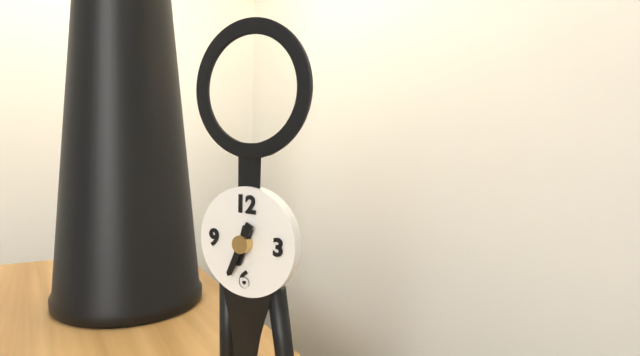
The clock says {"hour": 6, "minute": 34}
